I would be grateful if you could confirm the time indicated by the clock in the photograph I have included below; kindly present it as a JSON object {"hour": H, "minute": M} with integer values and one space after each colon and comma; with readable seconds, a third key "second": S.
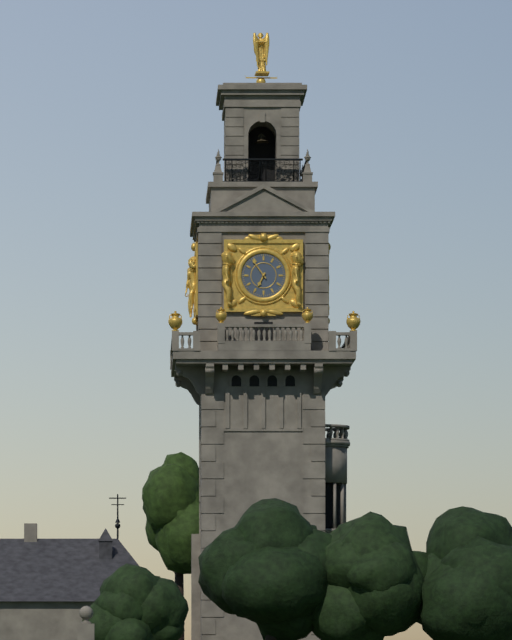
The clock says {"hour": 6, "minute": 54}
